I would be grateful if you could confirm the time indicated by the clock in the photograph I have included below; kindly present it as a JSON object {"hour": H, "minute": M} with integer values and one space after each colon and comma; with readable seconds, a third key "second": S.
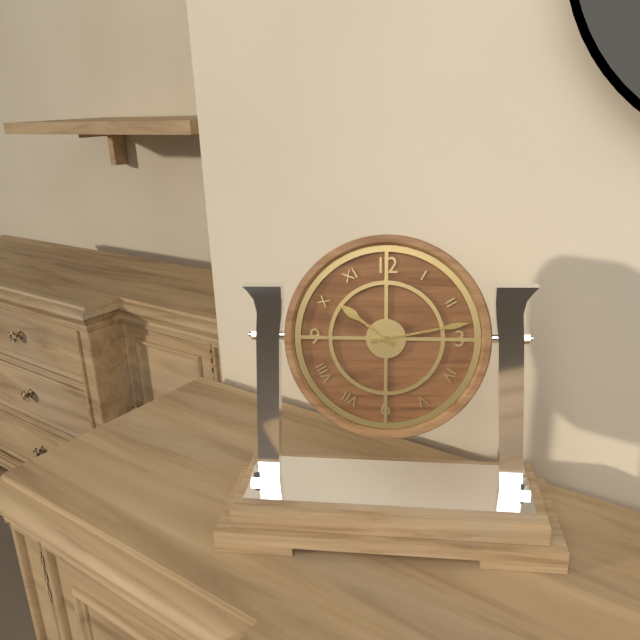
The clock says {"hour": 10, "minute": 13}
